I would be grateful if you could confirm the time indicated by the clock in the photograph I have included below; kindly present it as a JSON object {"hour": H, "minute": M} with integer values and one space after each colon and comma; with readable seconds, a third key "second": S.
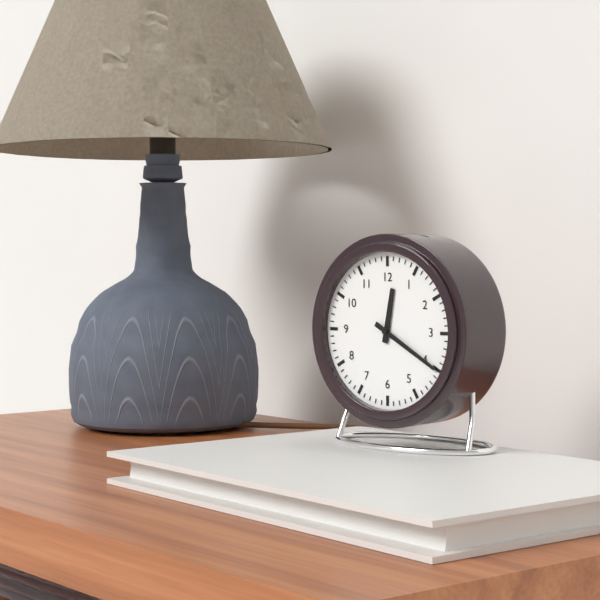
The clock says {"hour": 12, "minute": 20}
